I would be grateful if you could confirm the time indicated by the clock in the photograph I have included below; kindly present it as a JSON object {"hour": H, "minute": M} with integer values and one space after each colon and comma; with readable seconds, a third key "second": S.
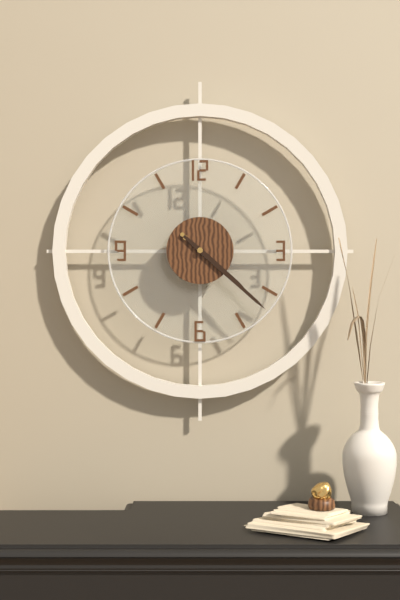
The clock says {"hour": 4, "minute": 22}
